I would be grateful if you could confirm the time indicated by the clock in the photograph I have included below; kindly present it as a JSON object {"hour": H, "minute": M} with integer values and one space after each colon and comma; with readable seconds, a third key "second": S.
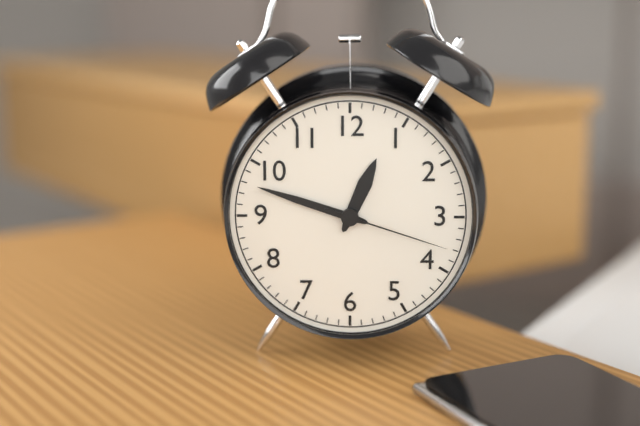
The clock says {"hour": 12, "minute": 48, "second": 18}
